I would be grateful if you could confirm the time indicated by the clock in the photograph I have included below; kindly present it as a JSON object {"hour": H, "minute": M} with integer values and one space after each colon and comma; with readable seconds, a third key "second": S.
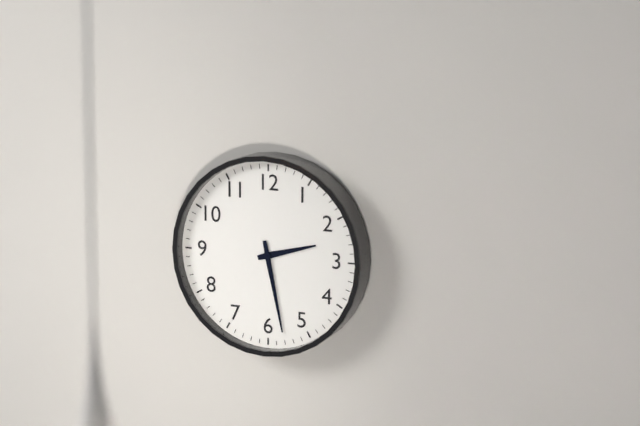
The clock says {"hour": 2, "minute": 28}
